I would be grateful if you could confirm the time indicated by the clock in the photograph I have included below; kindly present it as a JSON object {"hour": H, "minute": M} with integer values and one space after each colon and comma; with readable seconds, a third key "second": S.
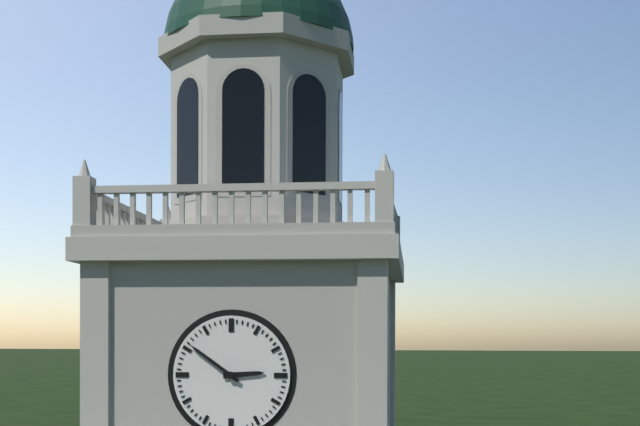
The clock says {"hour": 2, "minute": 51}
